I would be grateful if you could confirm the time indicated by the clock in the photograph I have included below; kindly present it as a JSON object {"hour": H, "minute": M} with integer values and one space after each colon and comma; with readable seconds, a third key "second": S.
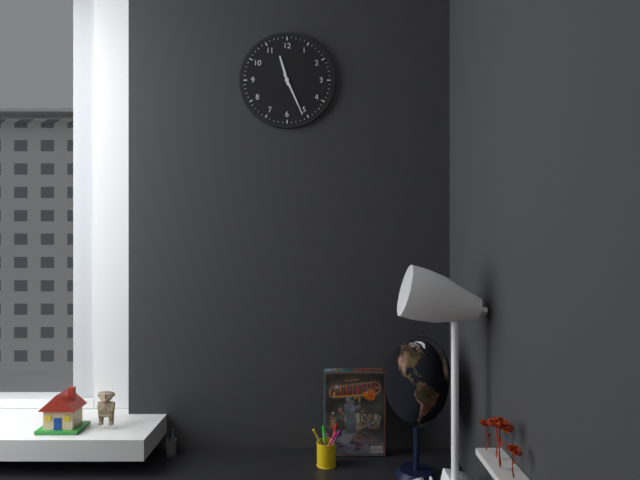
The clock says {"hour": 11, "minute": 26}
